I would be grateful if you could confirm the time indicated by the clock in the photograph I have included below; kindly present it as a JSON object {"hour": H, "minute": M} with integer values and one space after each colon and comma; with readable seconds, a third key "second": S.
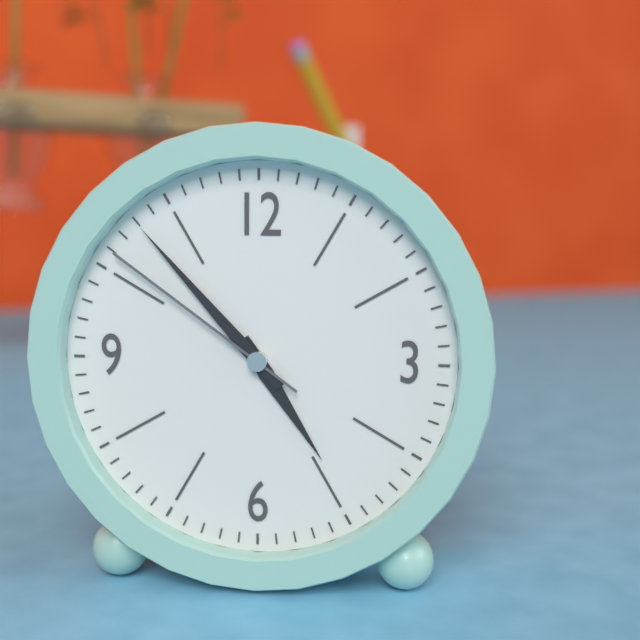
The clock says {"hour": 4, "minute": 53, "second": 51}
